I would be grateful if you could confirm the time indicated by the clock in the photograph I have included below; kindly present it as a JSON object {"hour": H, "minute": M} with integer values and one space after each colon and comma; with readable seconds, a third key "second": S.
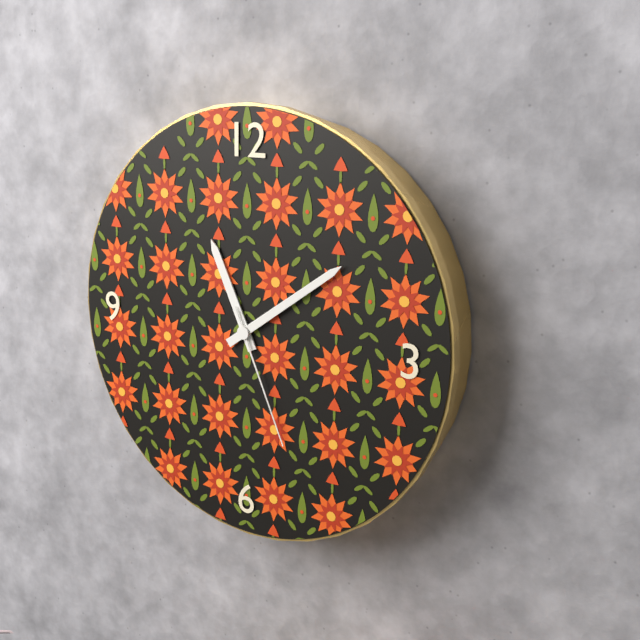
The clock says {"hour": 11, "minute": 9, "second": 26}
